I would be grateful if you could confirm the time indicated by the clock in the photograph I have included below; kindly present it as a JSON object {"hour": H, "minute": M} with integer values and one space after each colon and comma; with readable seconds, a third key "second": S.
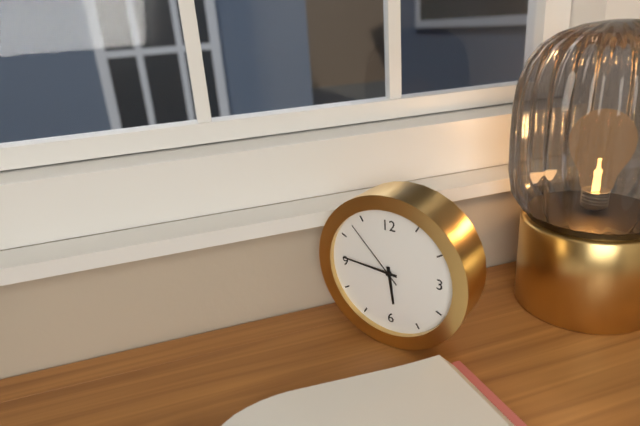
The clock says {"hour": 5, "minute": 46, "second": 53}
